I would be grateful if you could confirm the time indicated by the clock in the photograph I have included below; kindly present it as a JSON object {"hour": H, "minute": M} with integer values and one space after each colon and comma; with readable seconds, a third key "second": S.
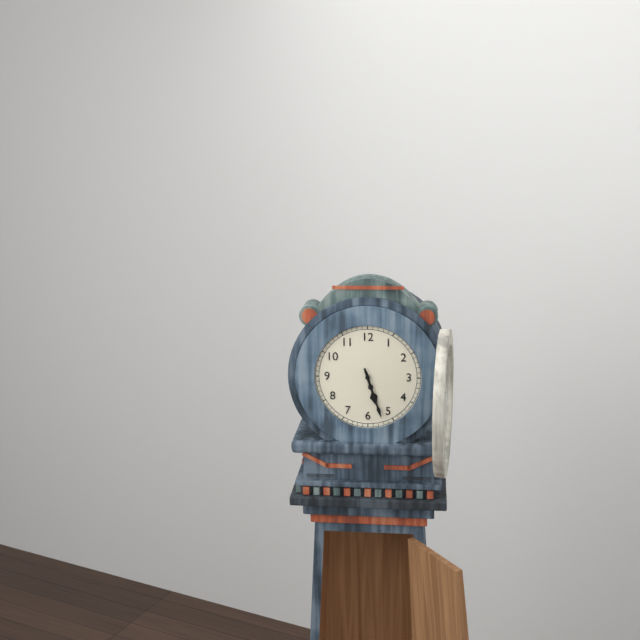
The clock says {"hour": 5, "minute": 27}
